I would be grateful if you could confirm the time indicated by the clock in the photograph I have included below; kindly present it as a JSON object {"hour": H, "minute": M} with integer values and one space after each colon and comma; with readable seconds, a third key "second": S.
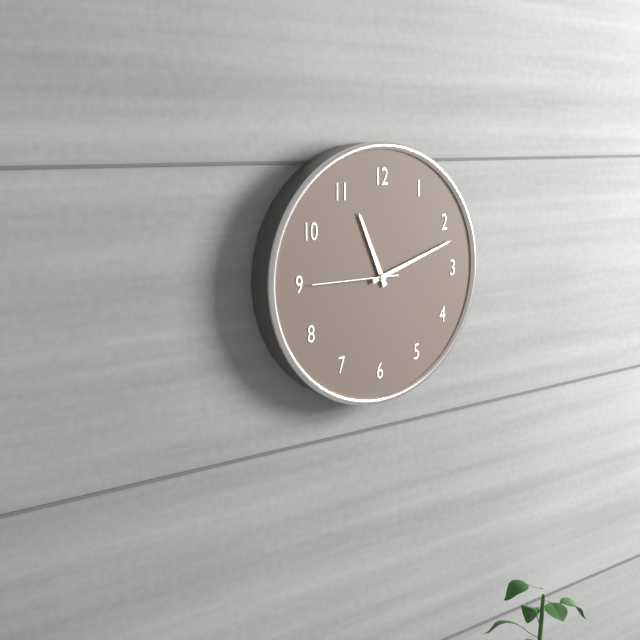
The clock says {"hour": 11, "minute": 12, "second": 45}
